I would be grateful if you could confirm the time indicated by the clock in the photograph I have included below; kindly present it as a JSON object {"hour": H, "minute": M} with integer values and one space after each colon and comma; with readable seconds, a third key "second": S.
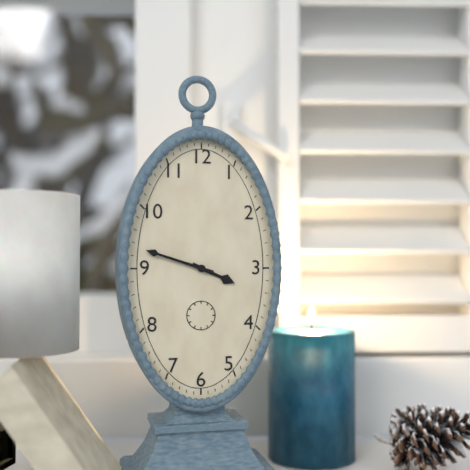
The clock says {"hour": 3, "minute": 48}
